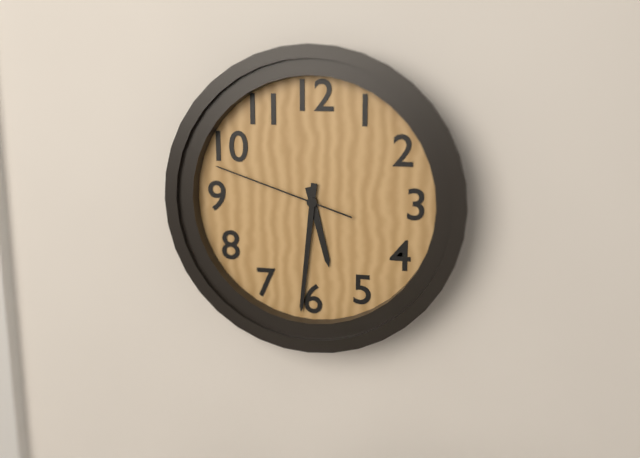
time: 5:31:48
